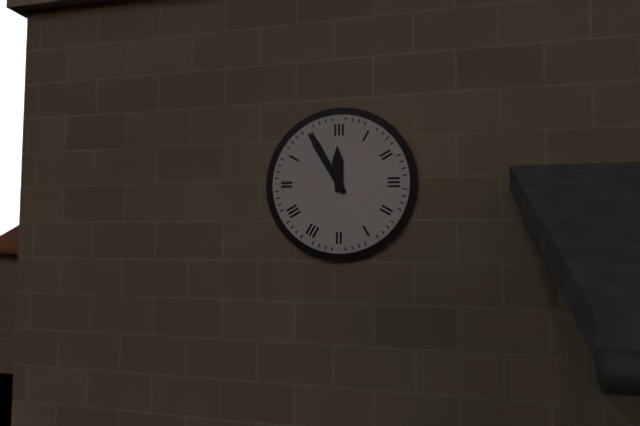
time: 11:55
